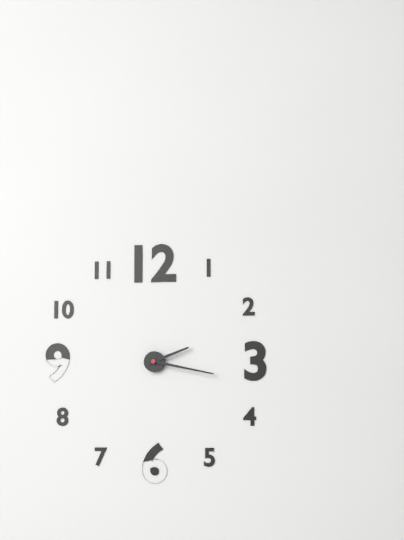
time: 2:17
